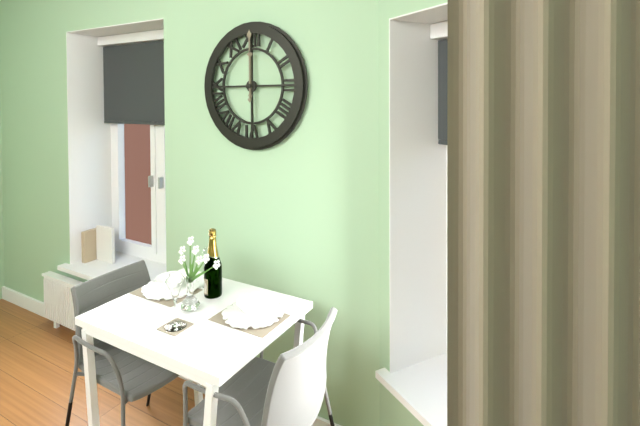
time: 12:00
